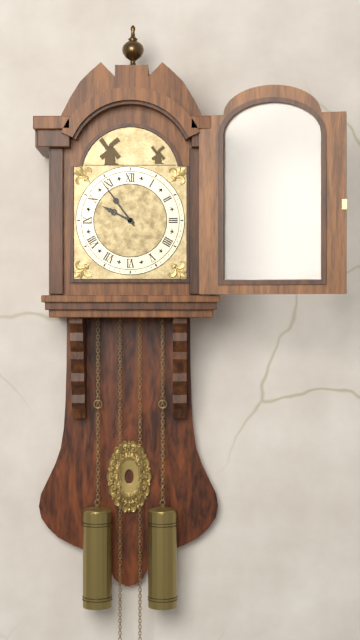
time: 9:54
